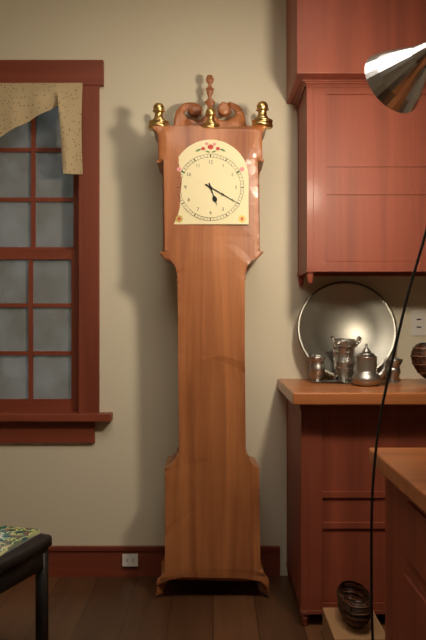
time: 5:20
